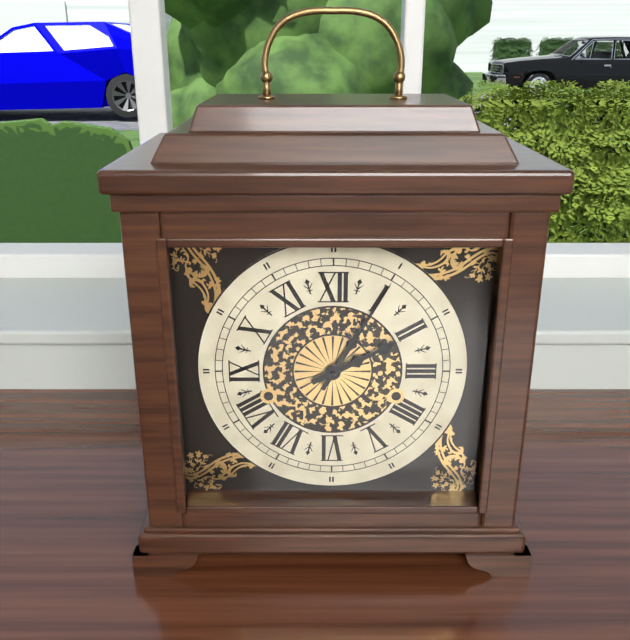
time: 2:05
